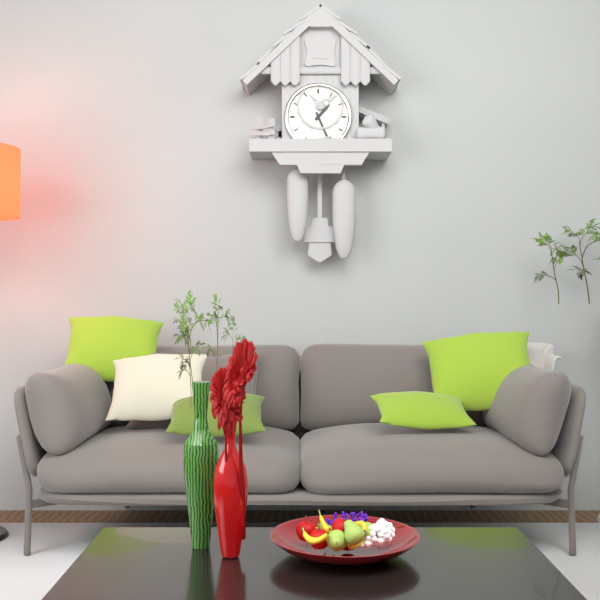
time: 1:26
